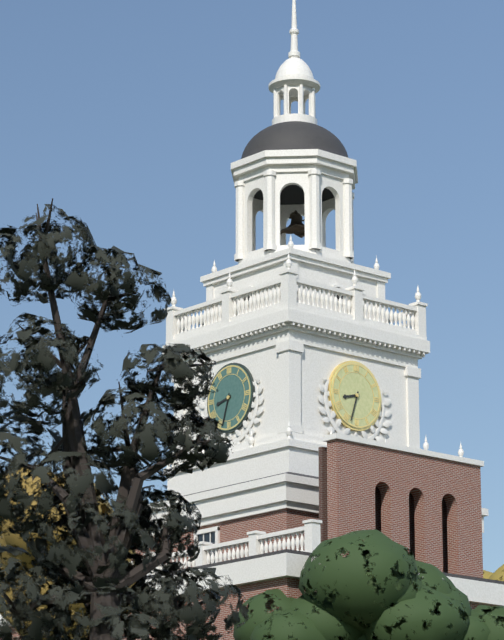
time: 8:33
